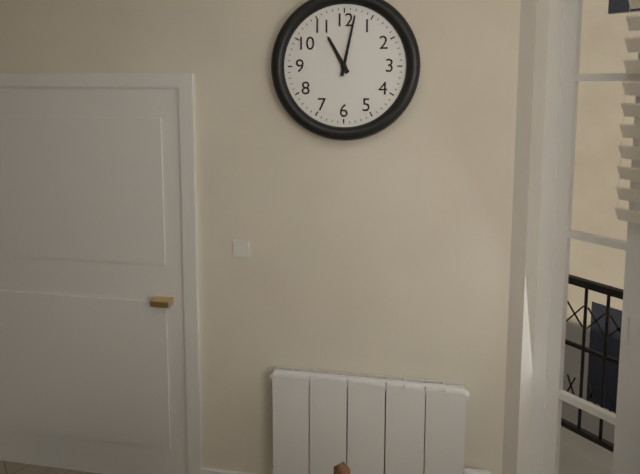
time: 11:02
